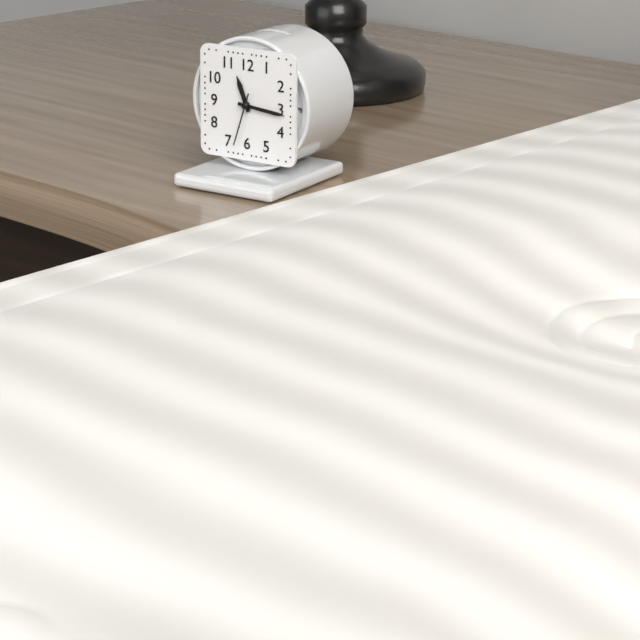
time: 11:16:33
